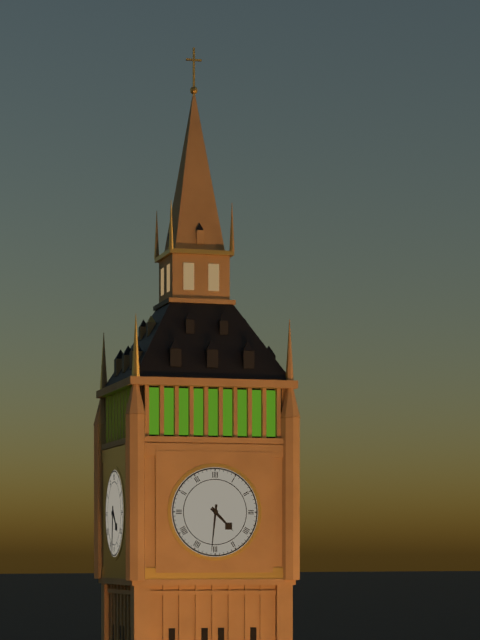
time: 4:31
